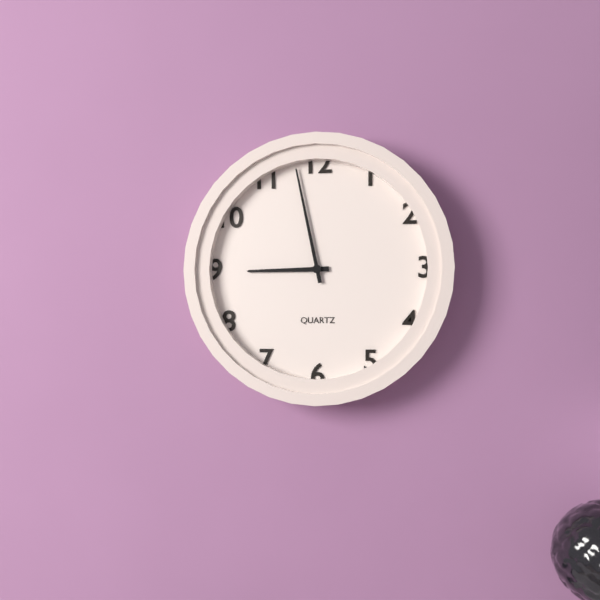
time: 8:58
